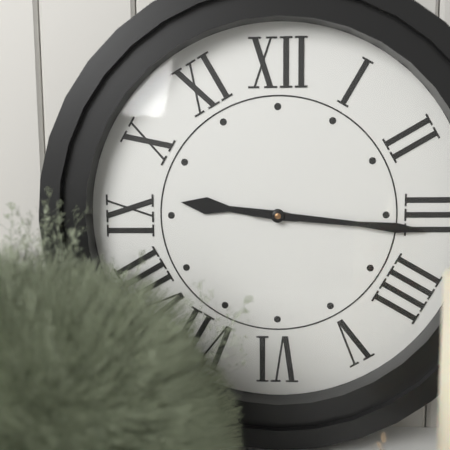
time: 9:16
